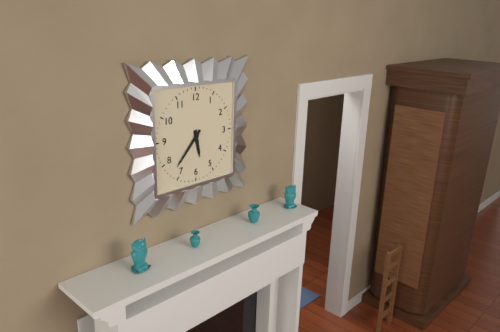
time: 5:37
